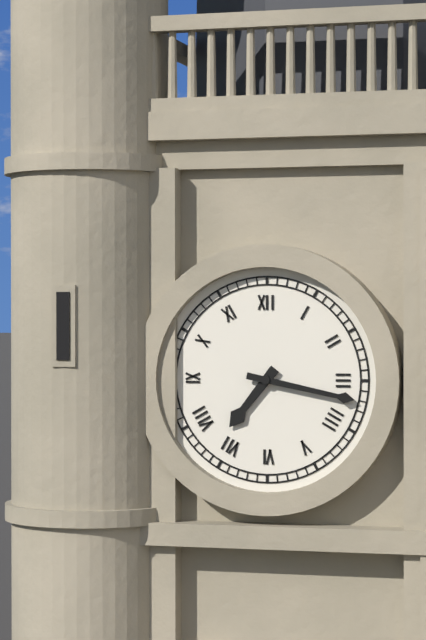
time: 7:17
